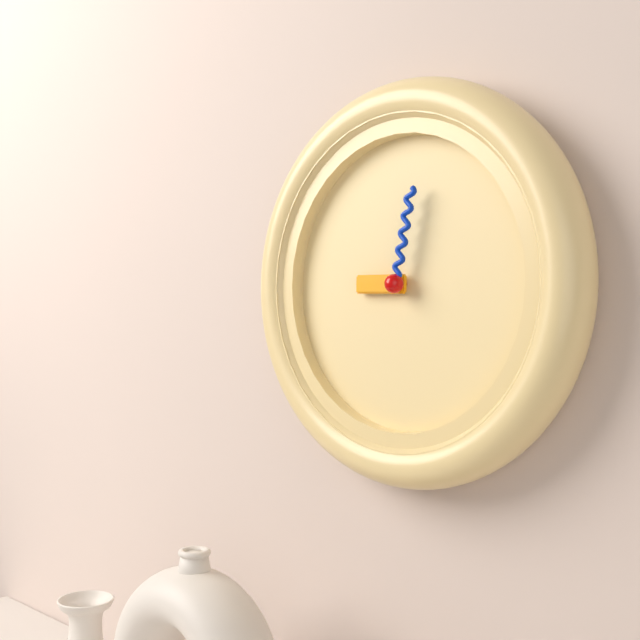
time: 9:02
